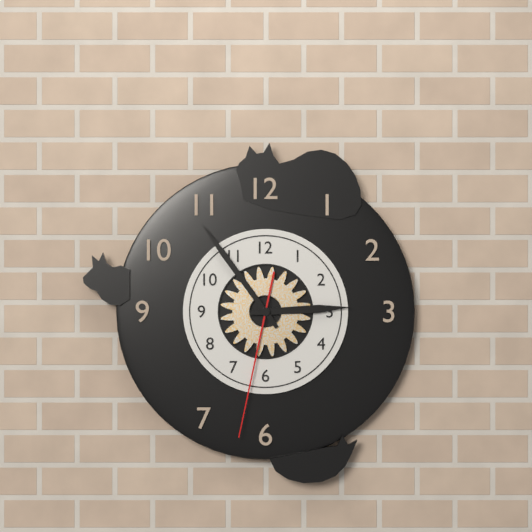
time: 2:54:32
